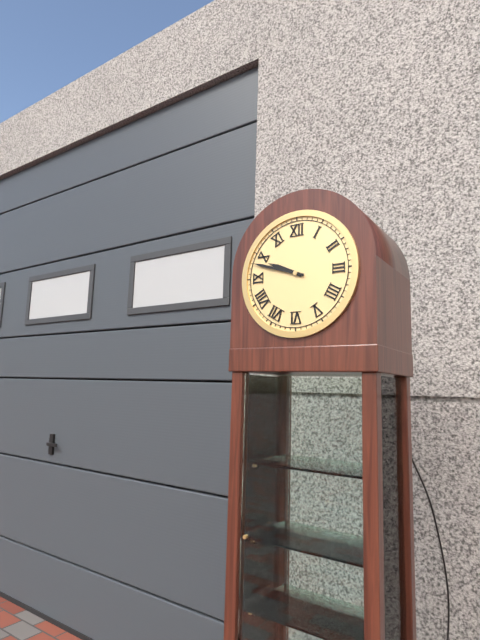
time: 9:48
